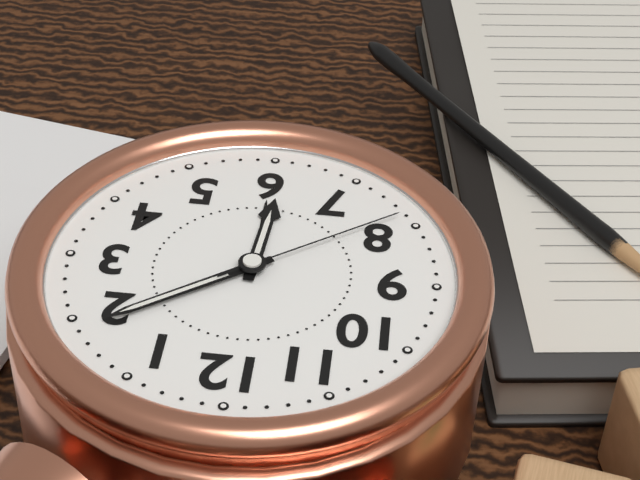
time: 6:09:39
